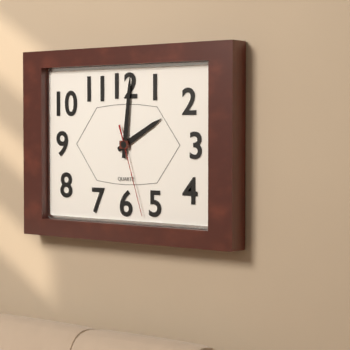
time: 2:01:27
